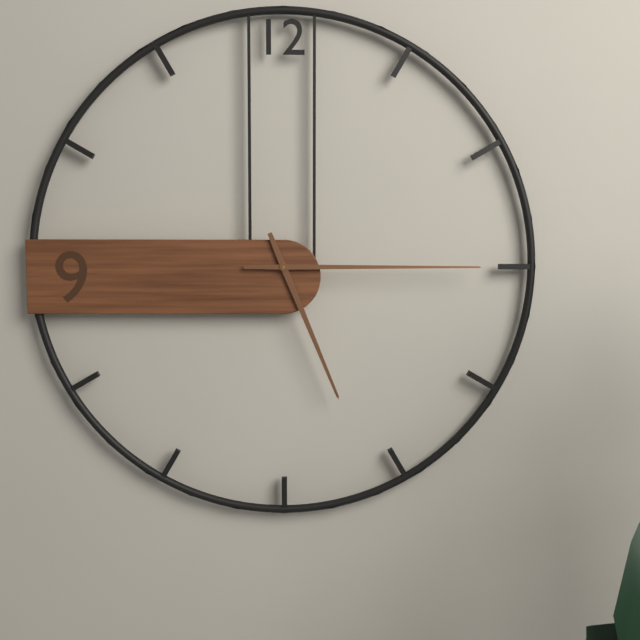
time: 5:15
